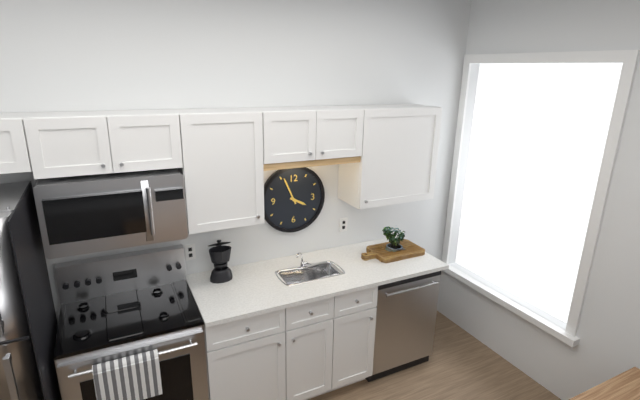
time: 3:56
